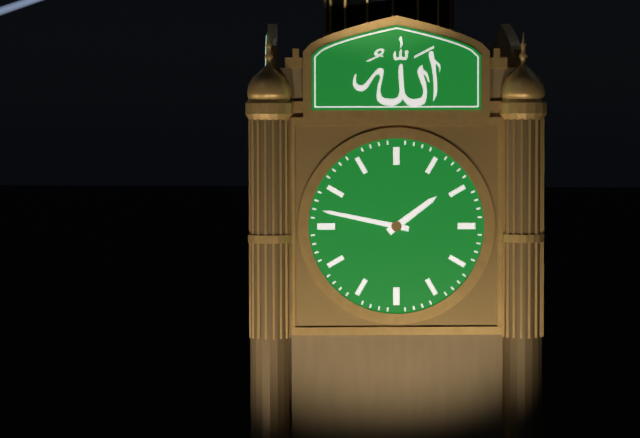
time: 1:47
